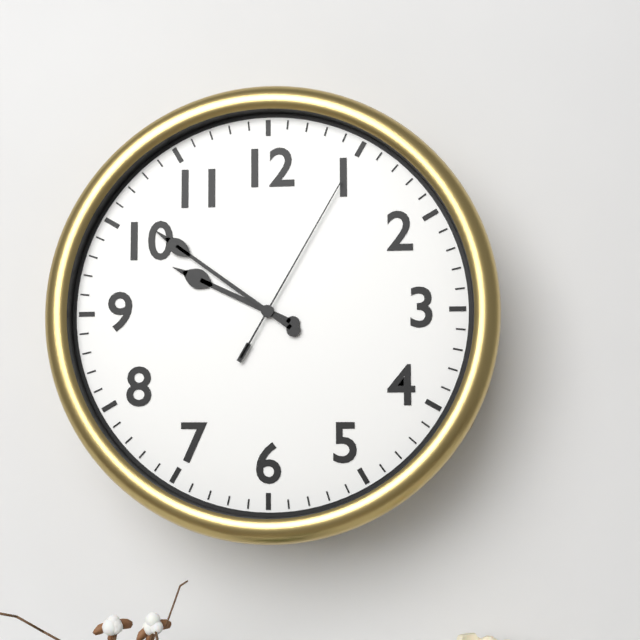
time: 9:51:05
